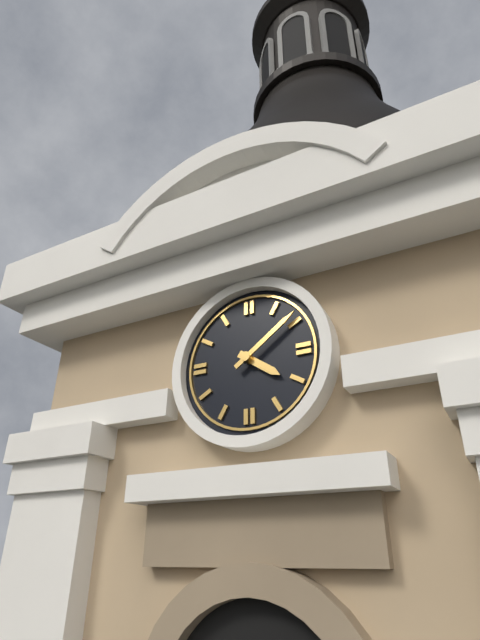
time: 4:09
